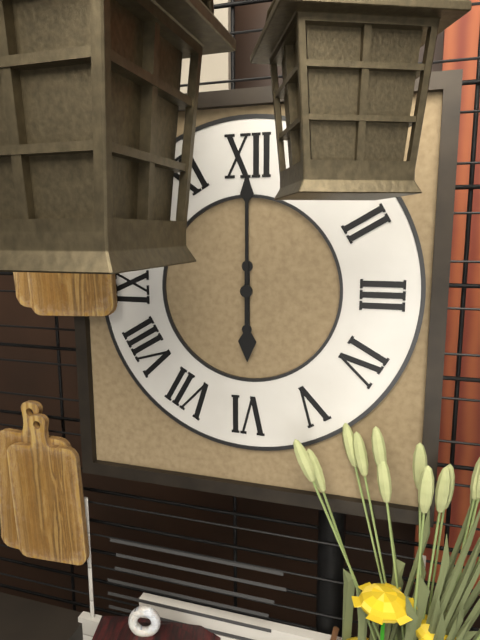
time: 6:00
